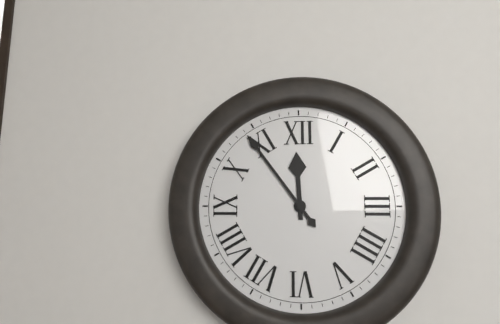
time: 11:54
